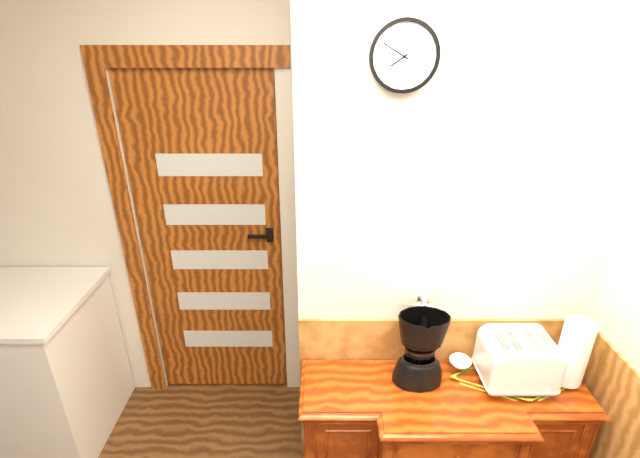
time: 7:50
